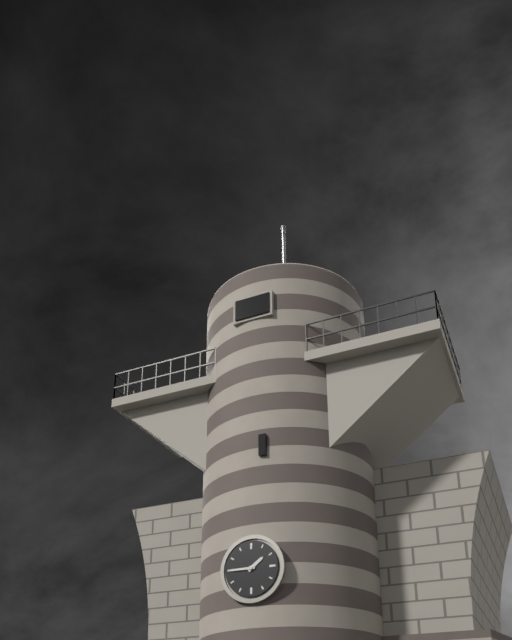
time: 1:45
